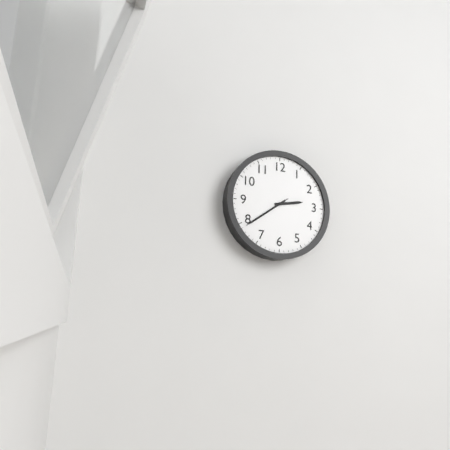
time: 2:39:39
